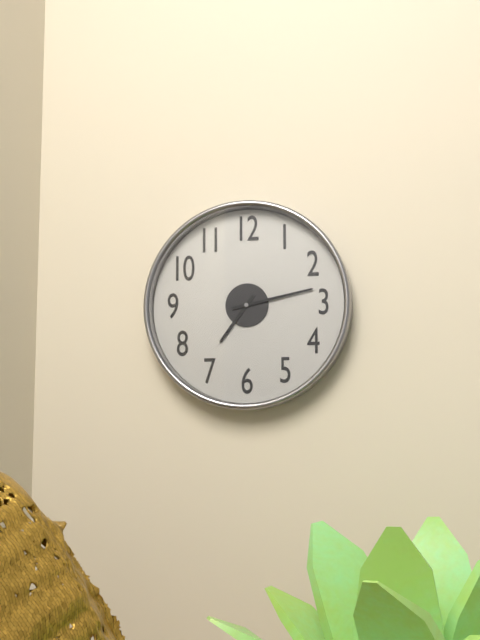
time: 7:13
